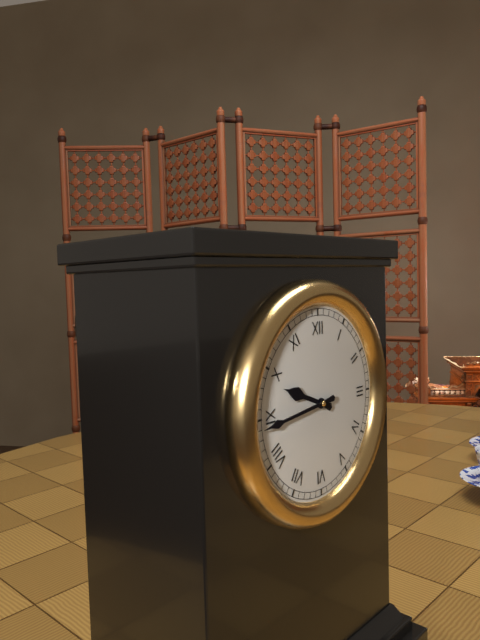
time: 9:44
